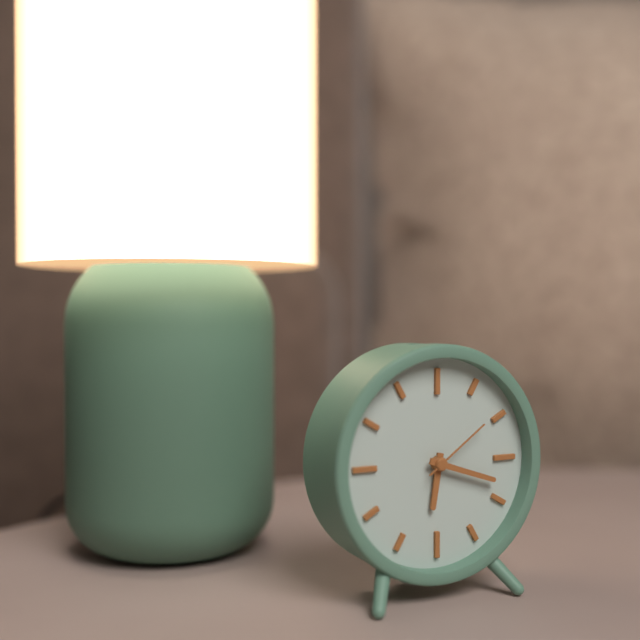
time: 6:18:09
